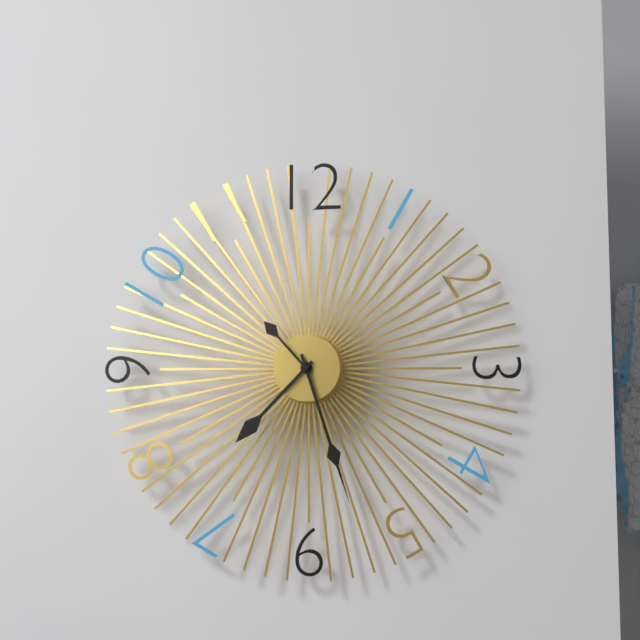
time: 7:27:53
